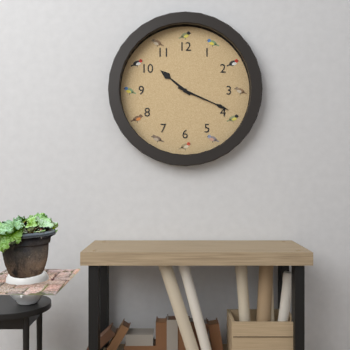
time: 10:19
